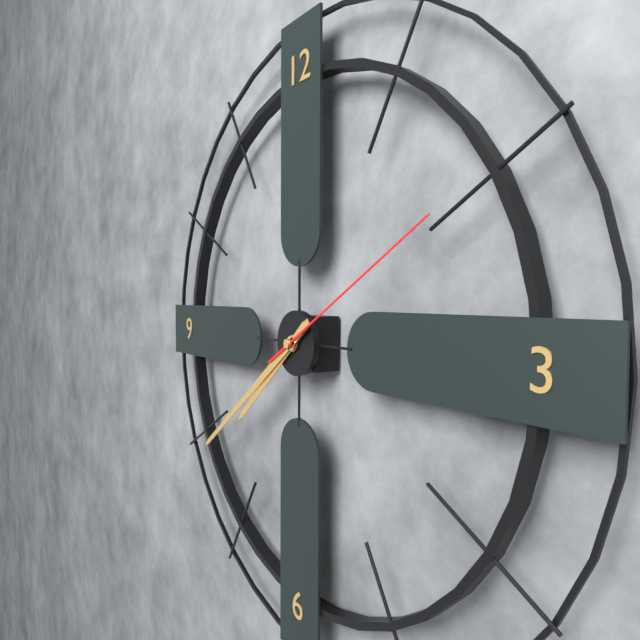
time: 7:39:10
